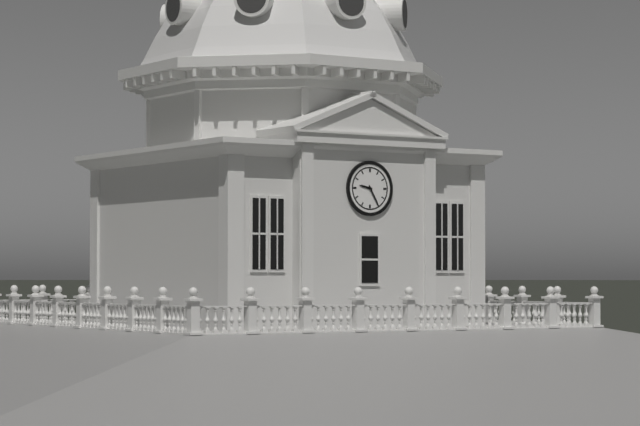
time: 9:25
